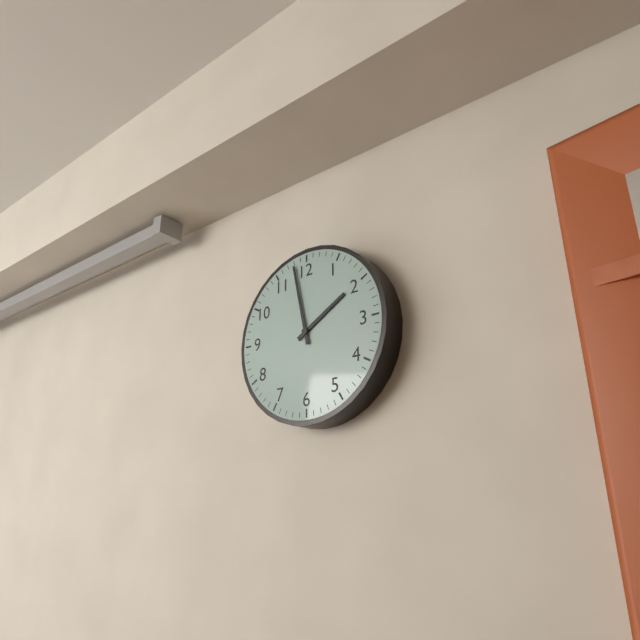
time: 1:58
